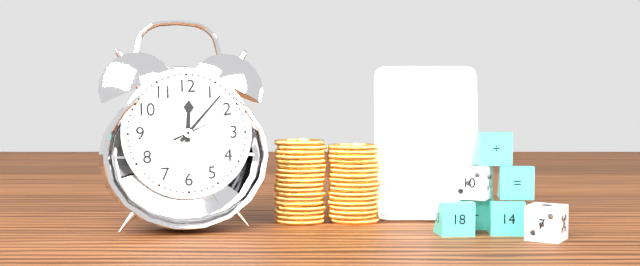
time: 12:07:11
